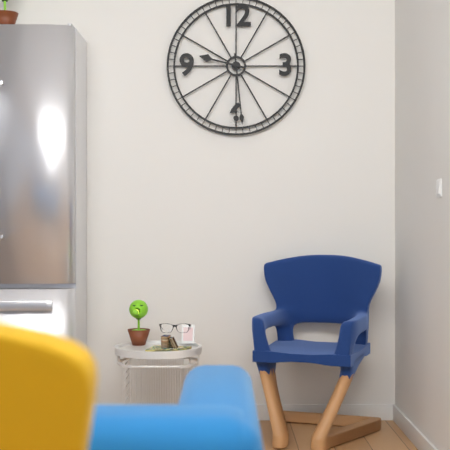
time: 9:29
